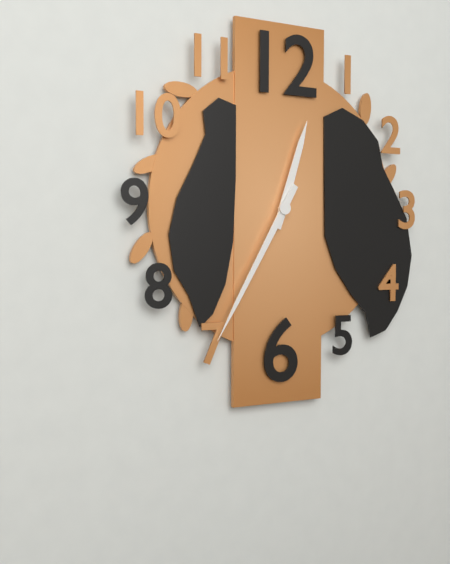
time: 12:35
